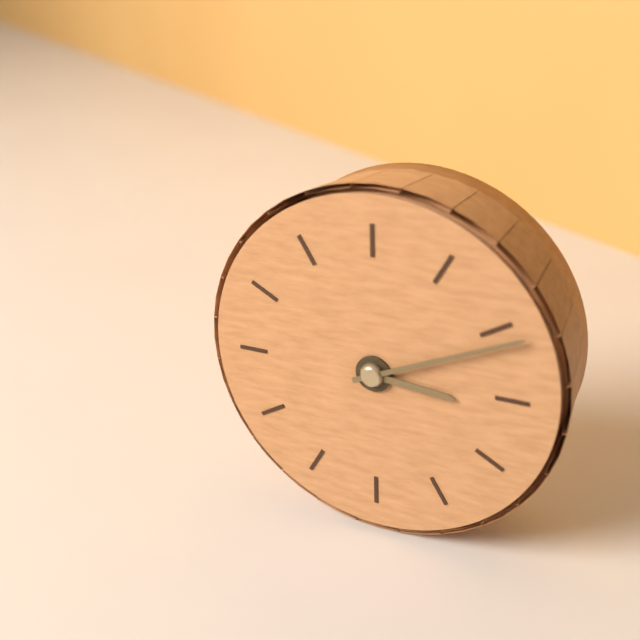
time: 3:11
